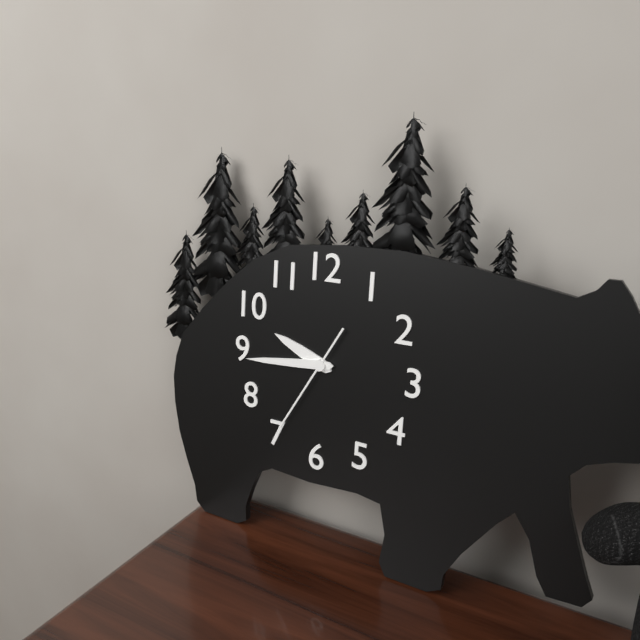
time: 9:44:35
